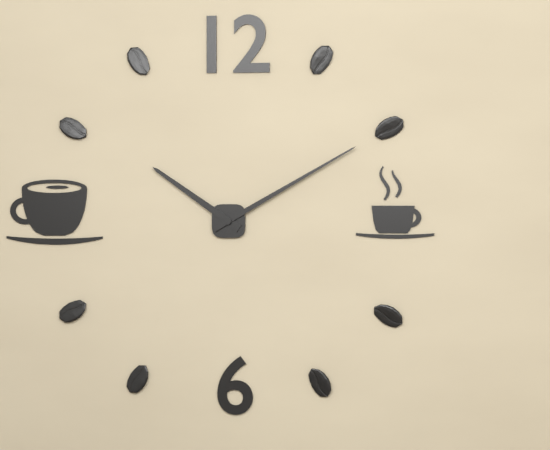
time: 10:10
